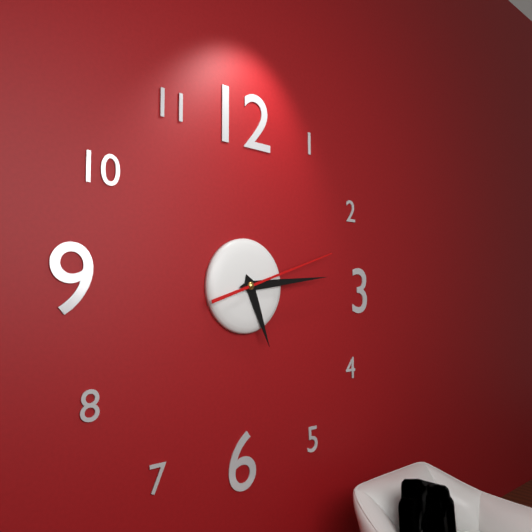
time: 5:14:12
